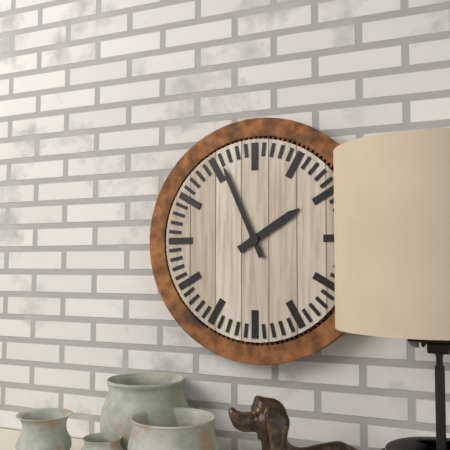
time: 1:56
